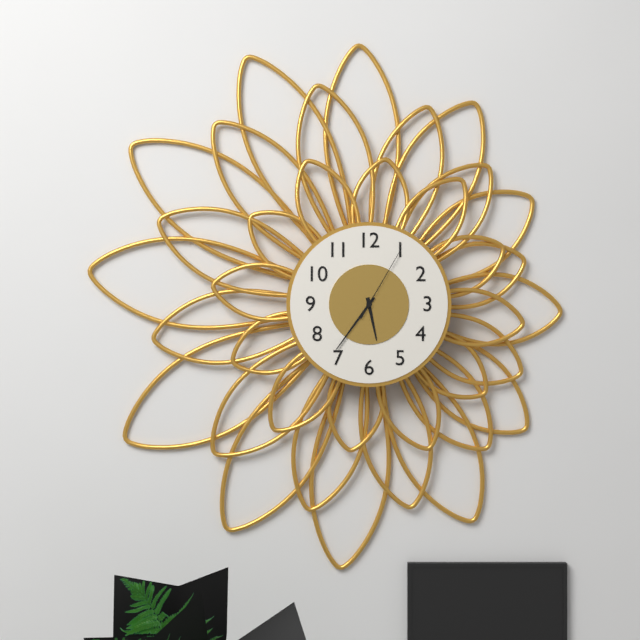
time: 5:36:05
